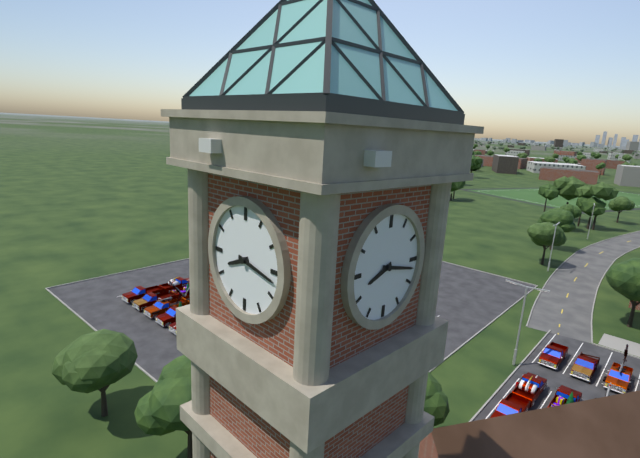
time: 8:17
